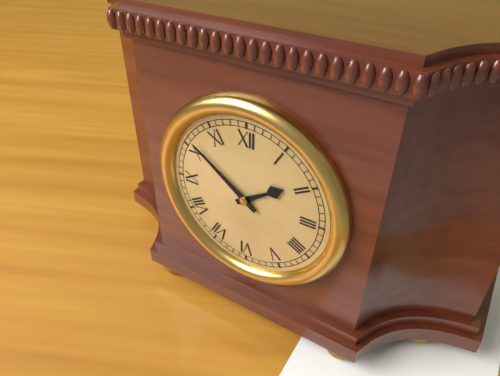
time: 1:51
